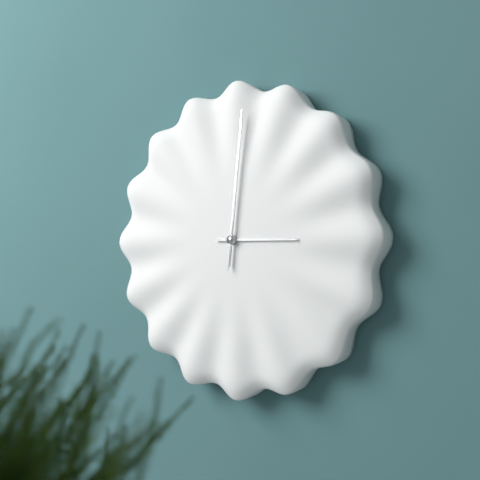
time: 3:01:01
